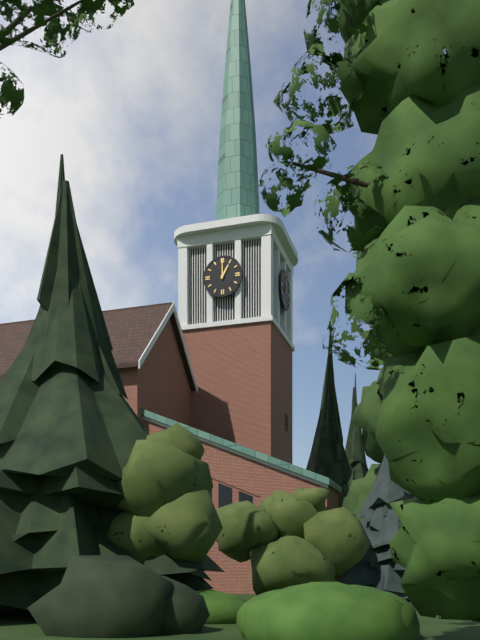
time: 1:00
